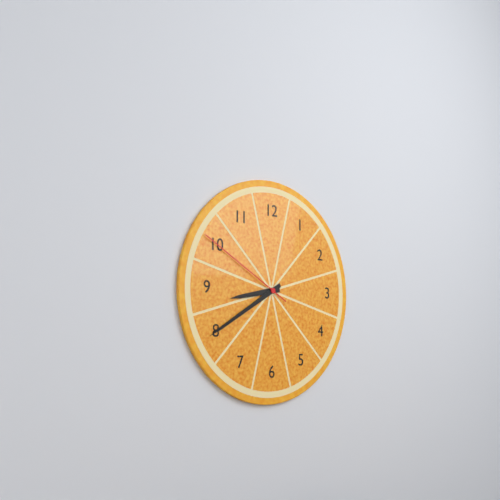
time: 8:40:50
